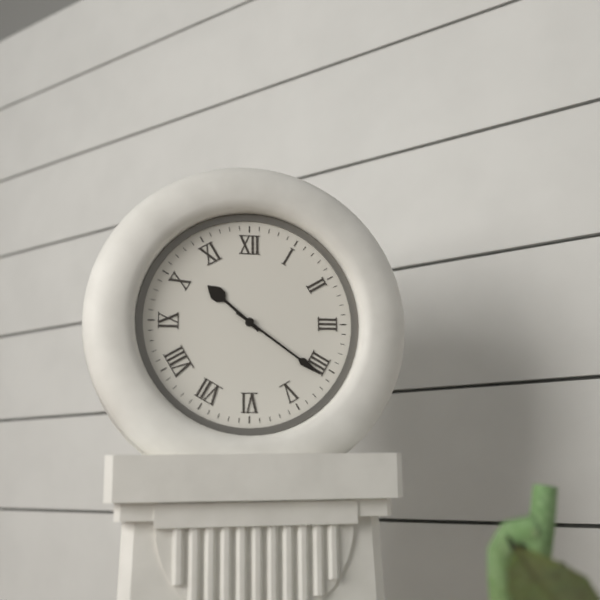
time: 10:21
